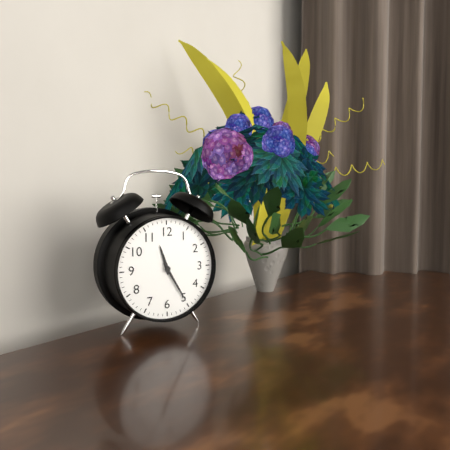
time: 11:25
